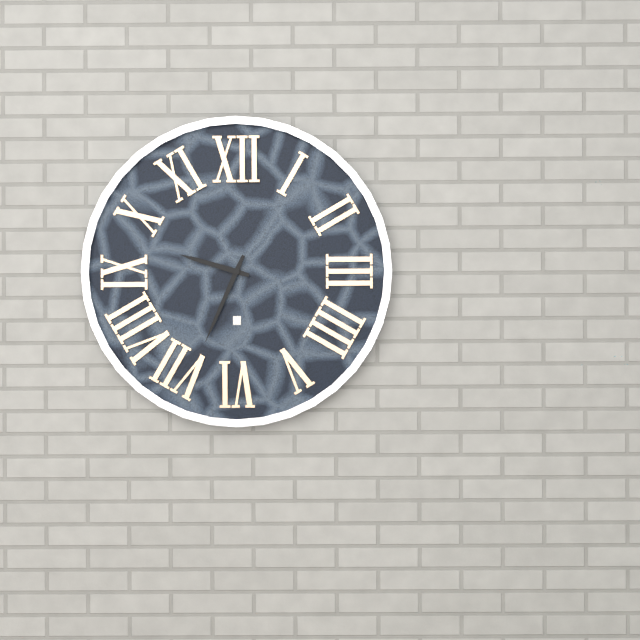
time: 9:34
